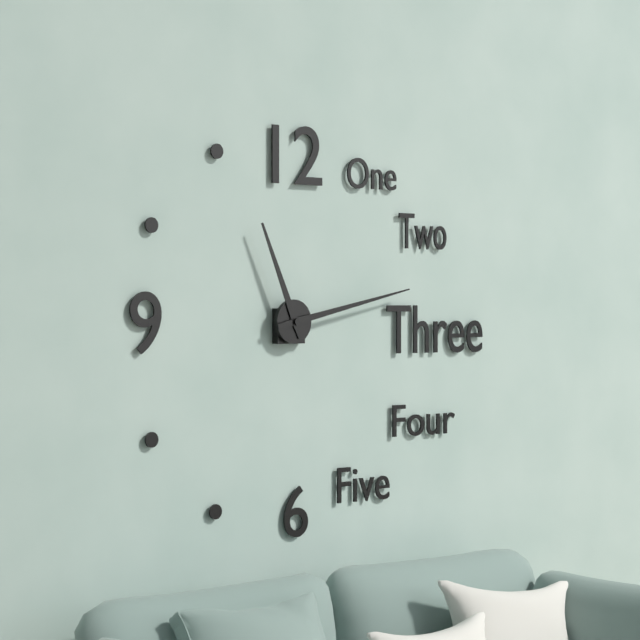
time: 11:13
